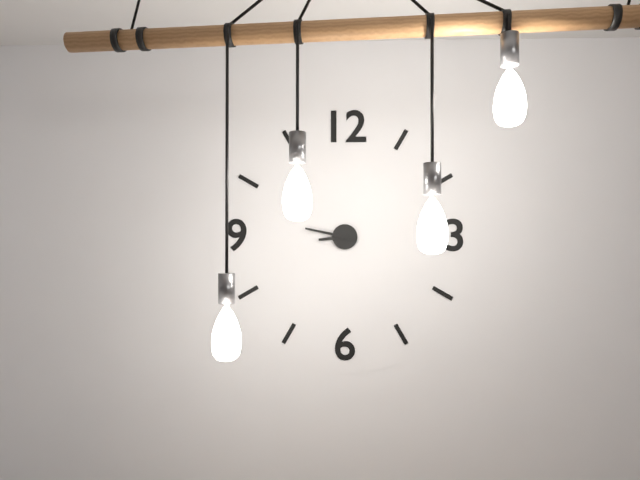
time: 8:47
